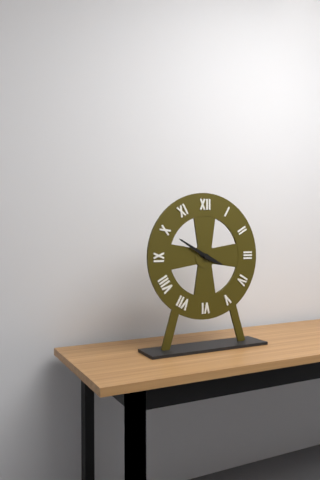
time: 3:50
